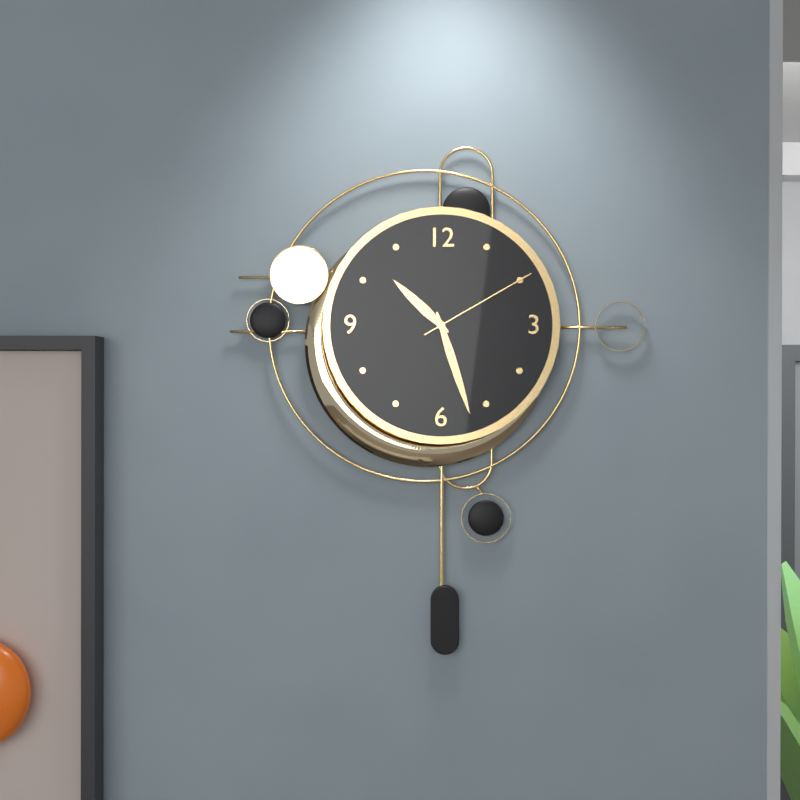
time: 10:27:10
